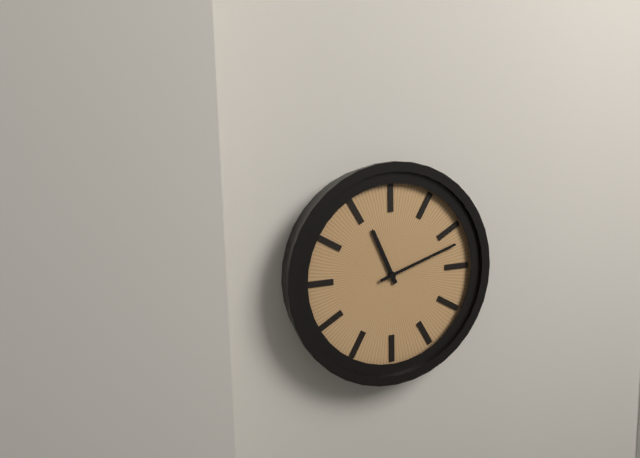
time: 11:12
